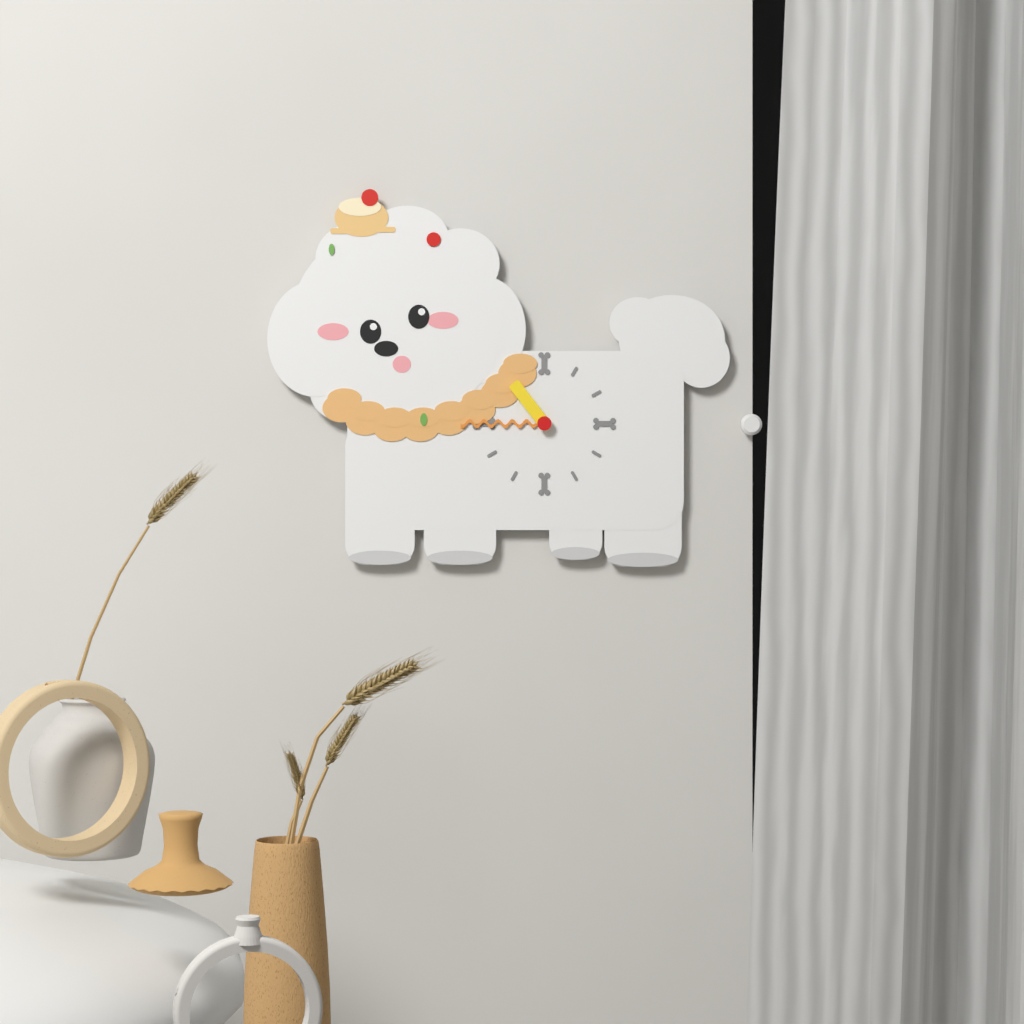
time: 10:45
